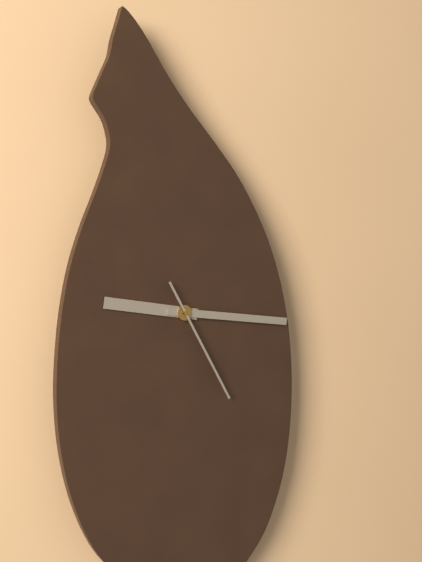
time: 9:16:25
